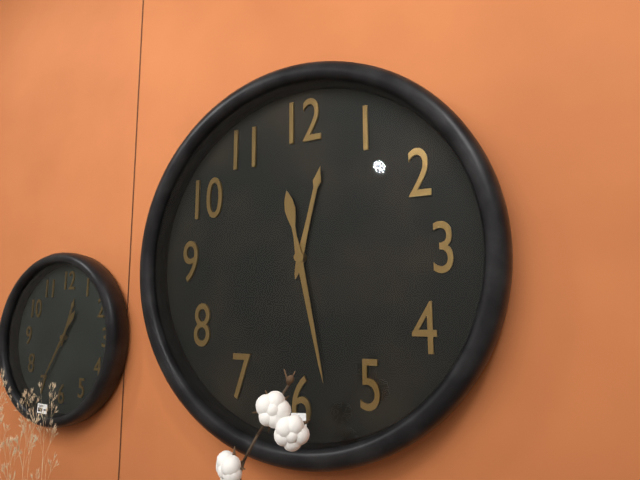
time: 12:28
